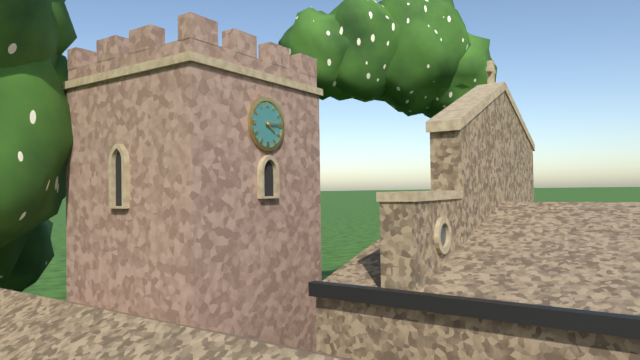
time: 4:14
